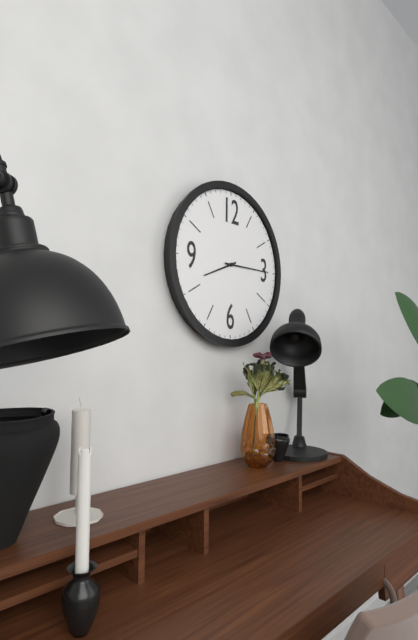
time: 8:15
